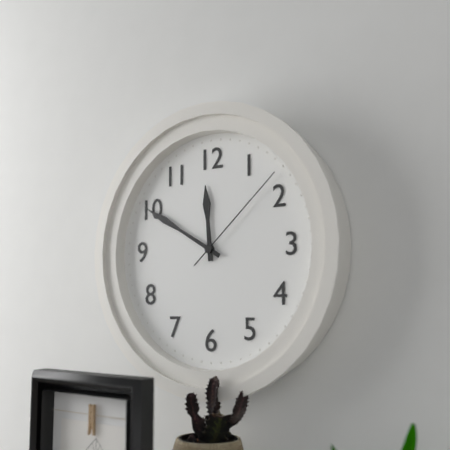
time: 11:50:08
